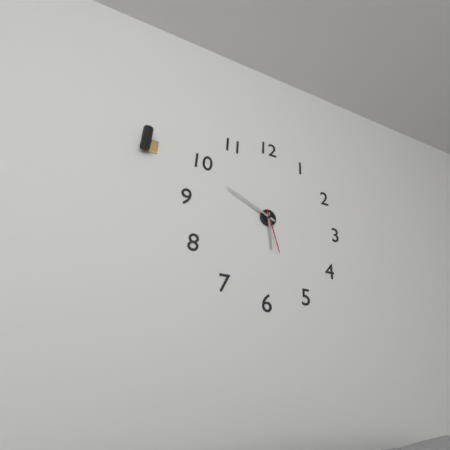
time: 5:49
